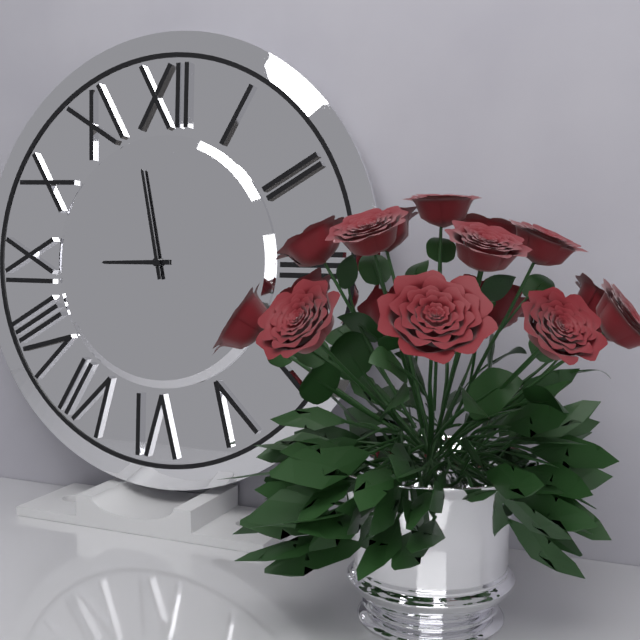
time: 8:58
